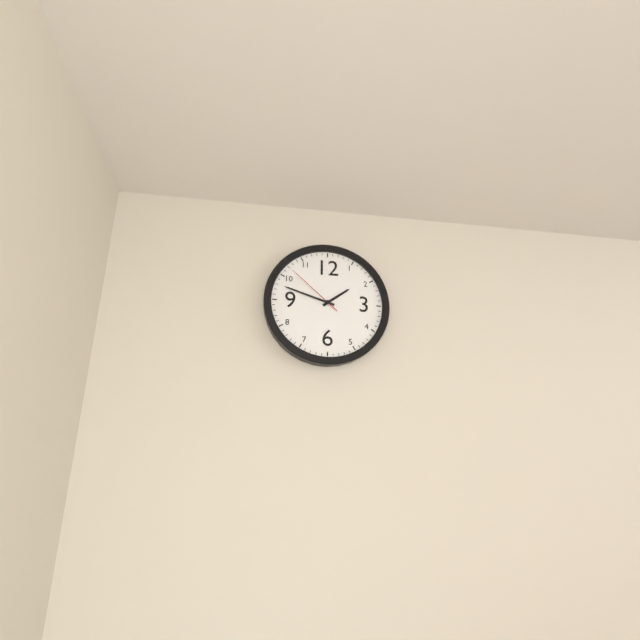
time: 1:48:52
